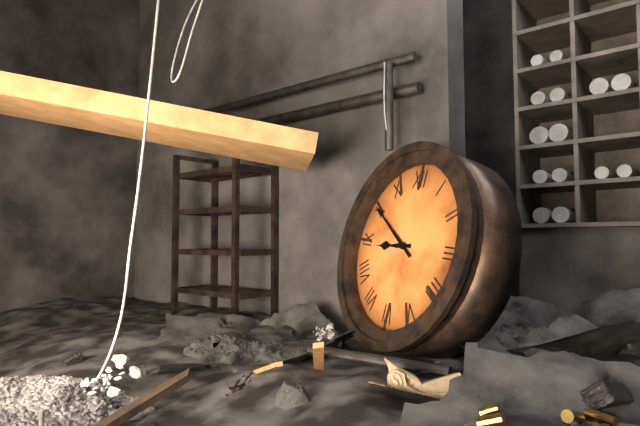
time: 8:50
